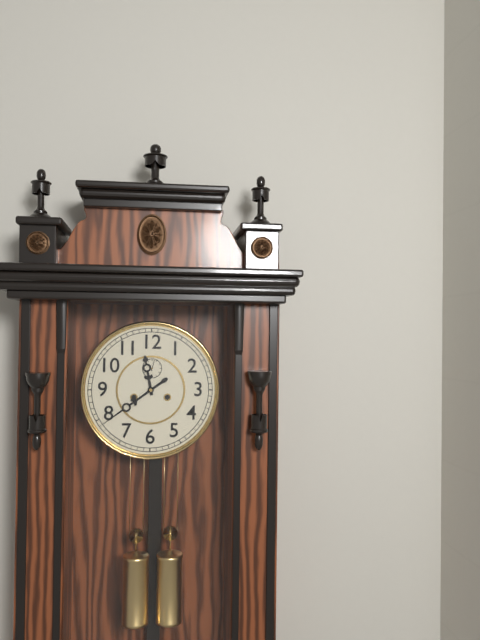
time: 11:39
